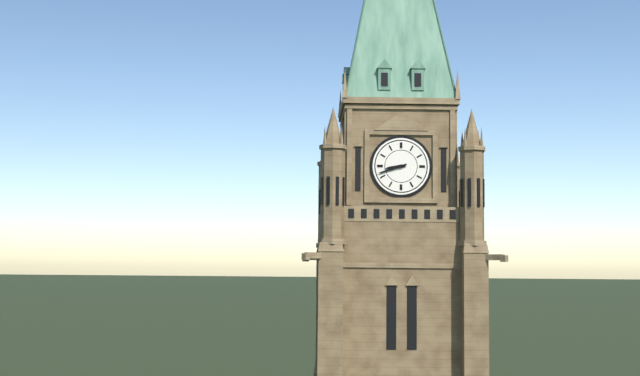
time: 8:42
